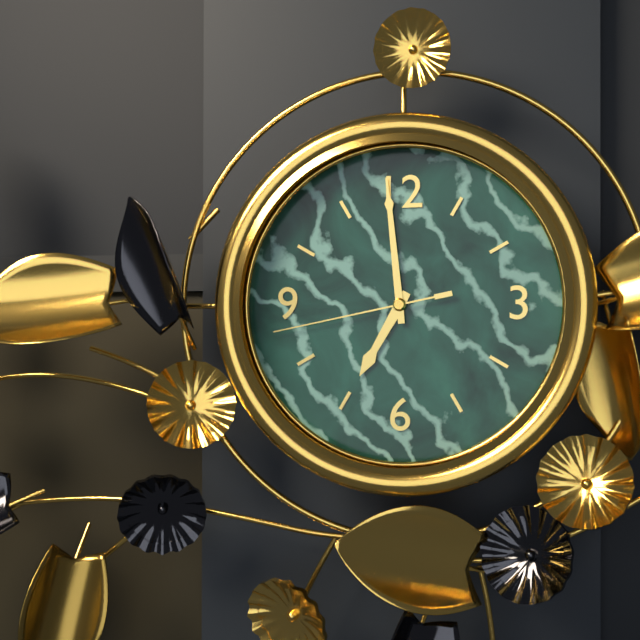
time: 6:59:43
